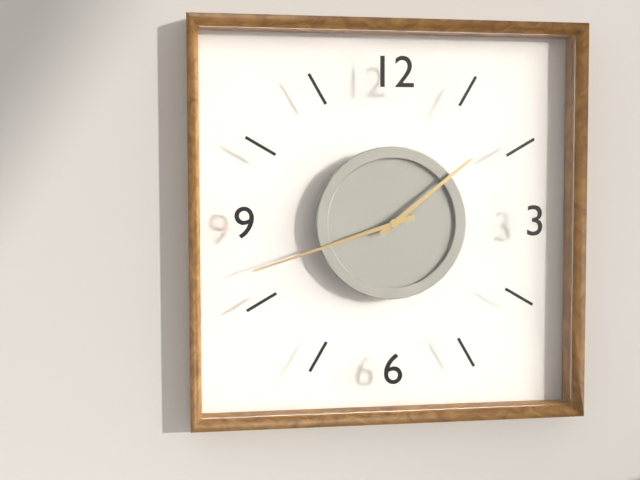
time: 1:42
